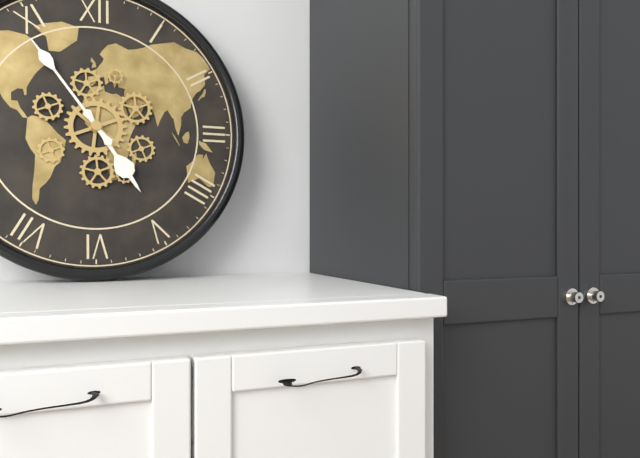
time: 4:54
